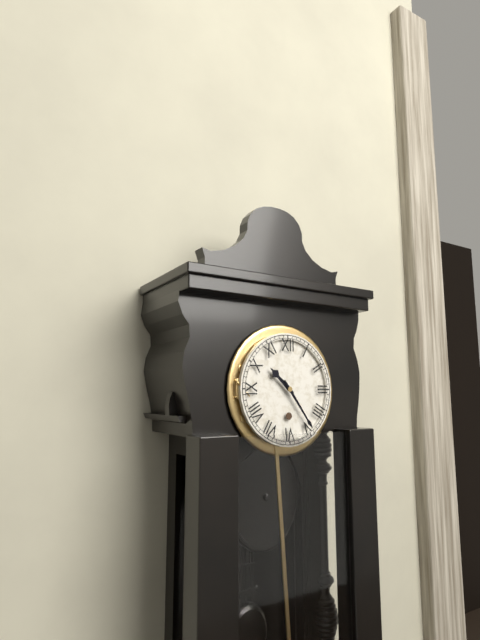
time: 10:24
